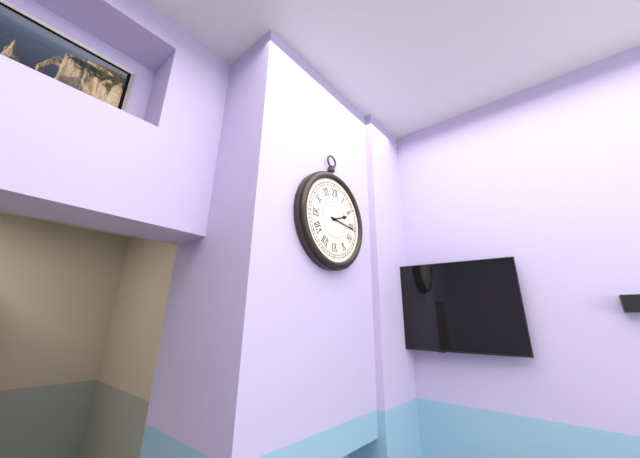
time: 2:16
